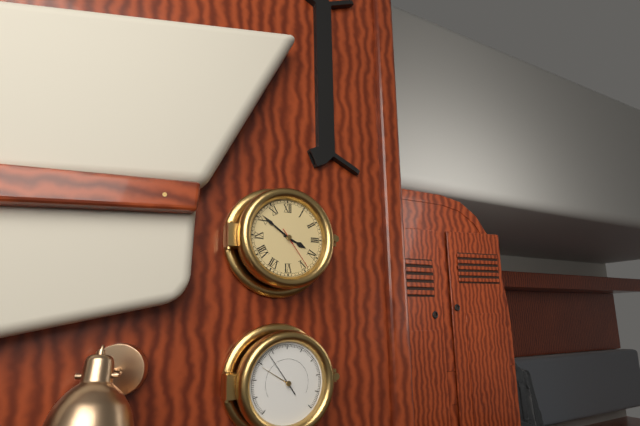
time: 3:51:24
